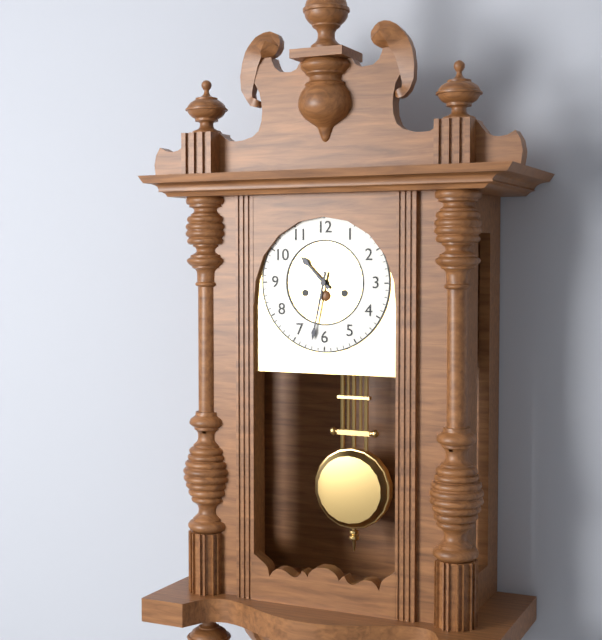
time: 10:32
